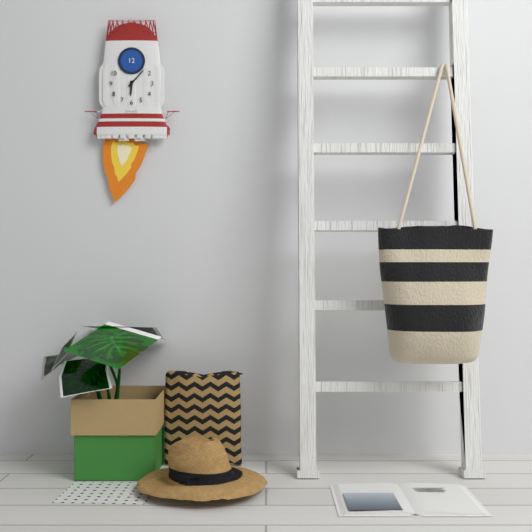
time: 6:07
